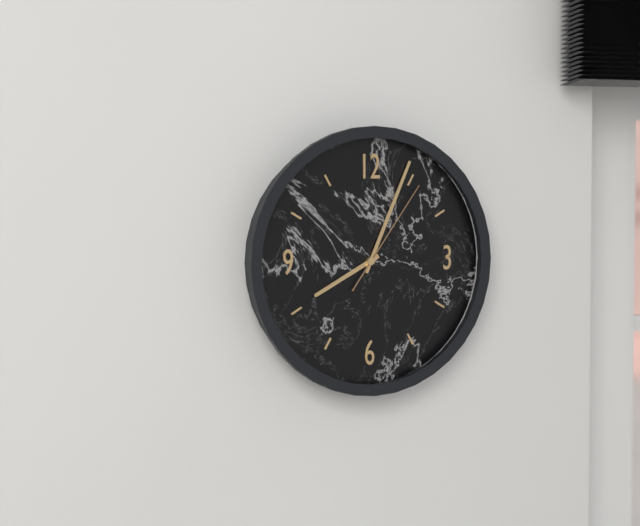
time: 8:04:06
